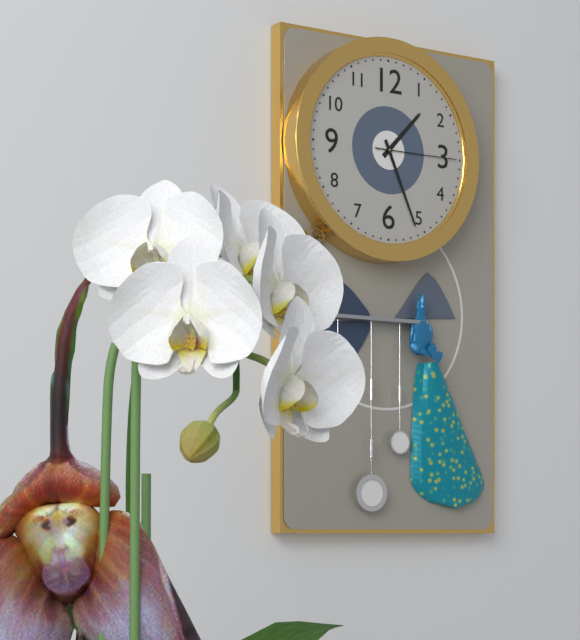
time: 1:26:15
